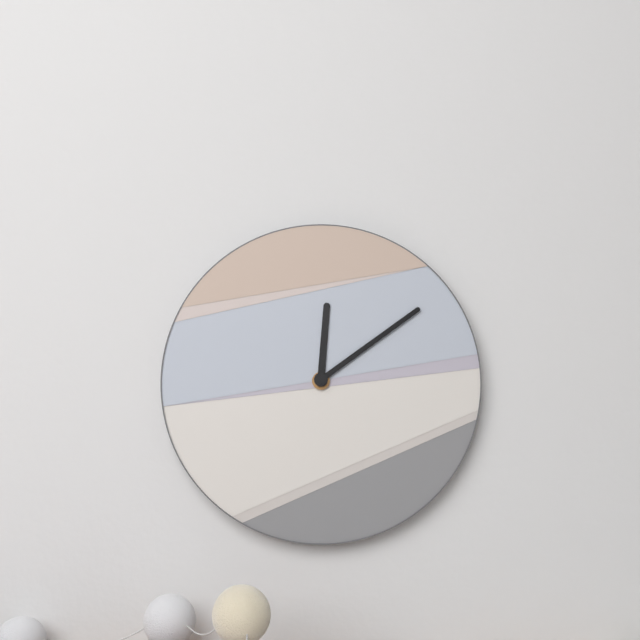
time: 12:09
